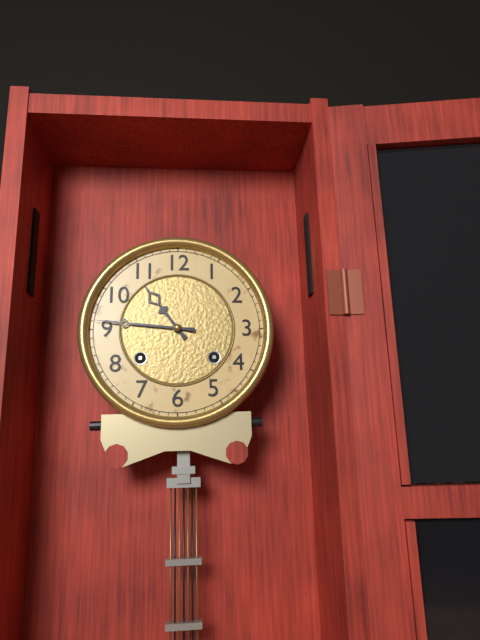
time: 10:46
